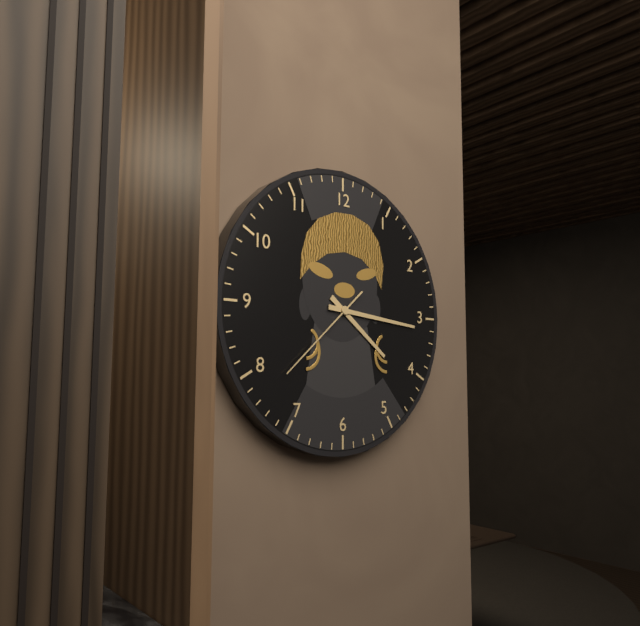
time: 4:16:38
